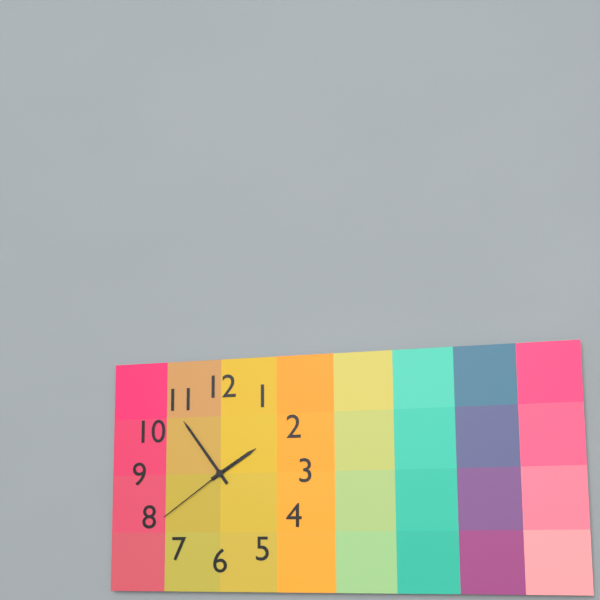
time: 1:54:39
